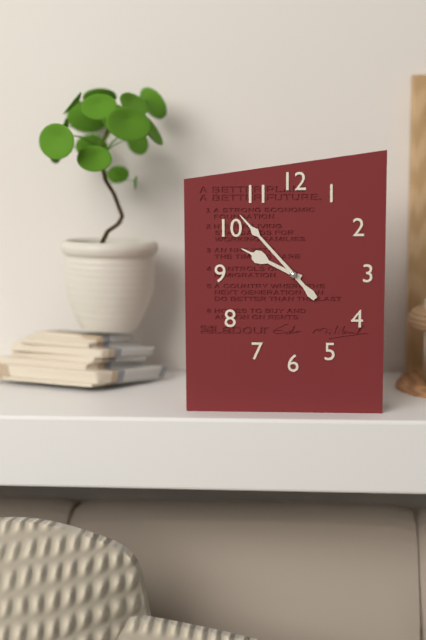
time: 9:53
